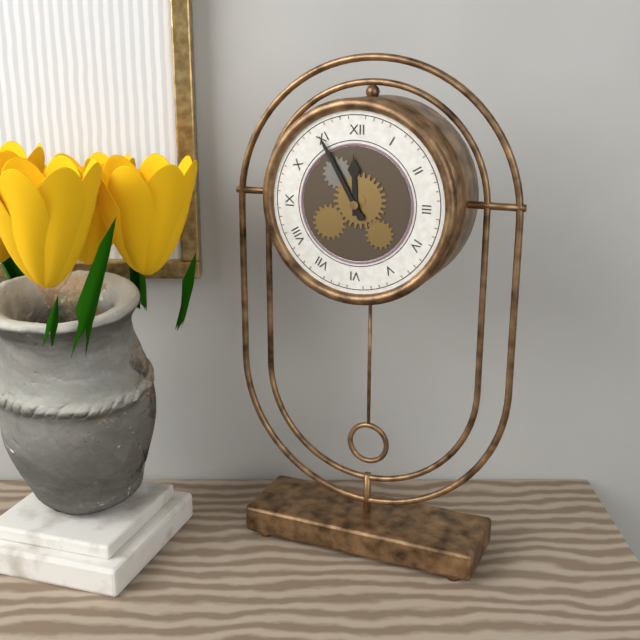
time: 11:55
